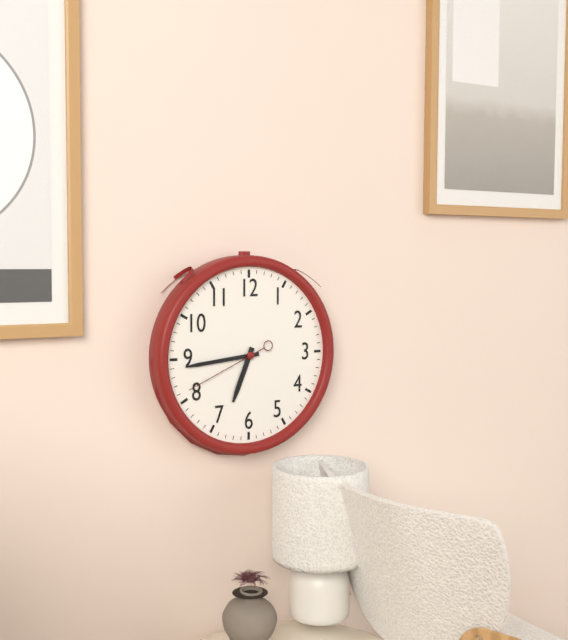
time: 6:44:41
